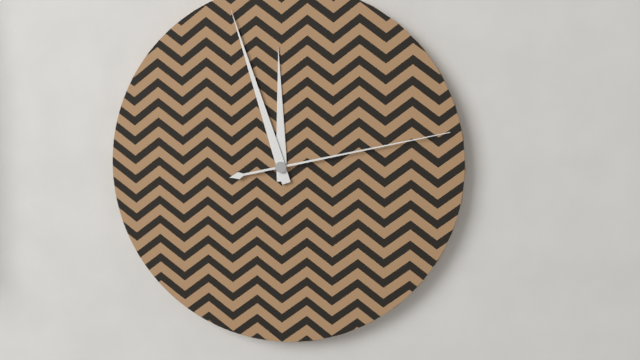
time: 11:57:13
